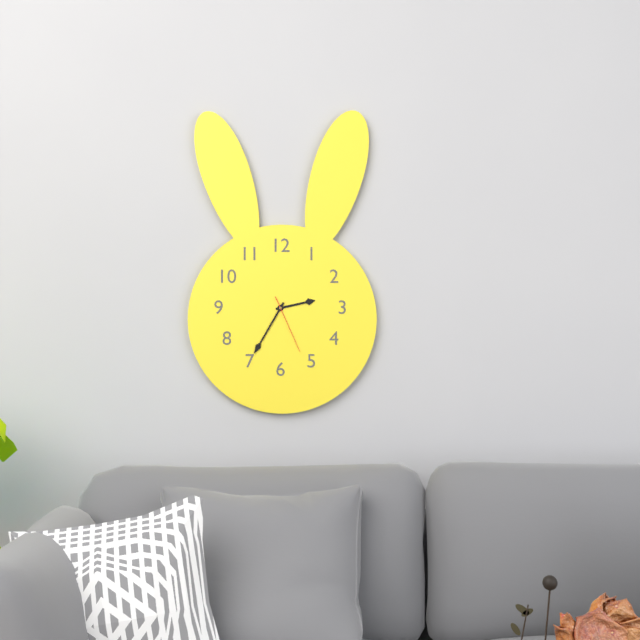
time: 2:35:26
